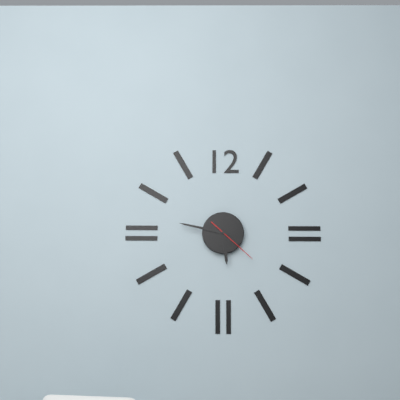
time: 5:47:22
